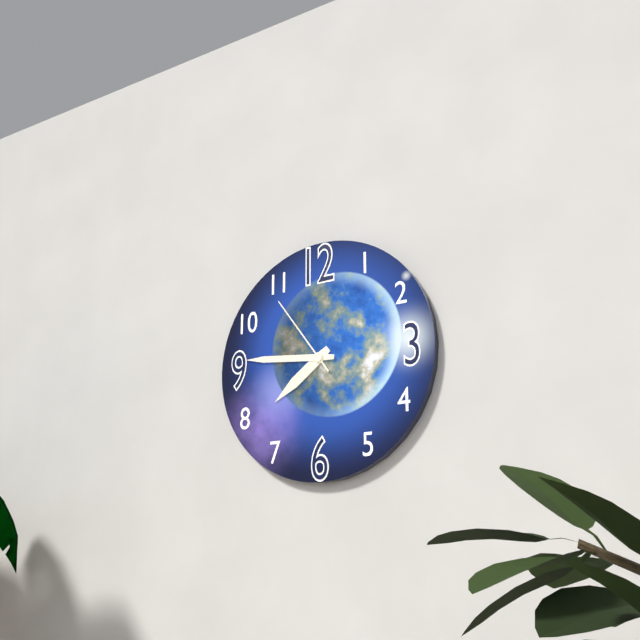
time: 7:46:54
